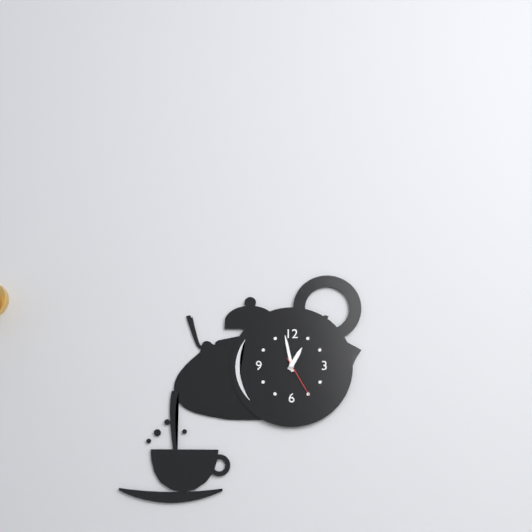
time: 12:58
